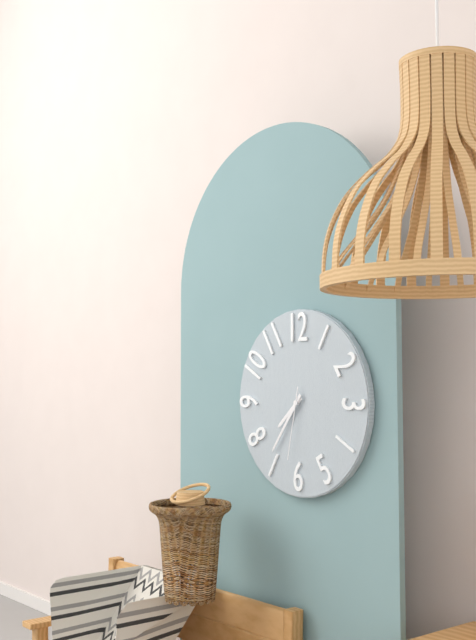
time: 7:36:32
